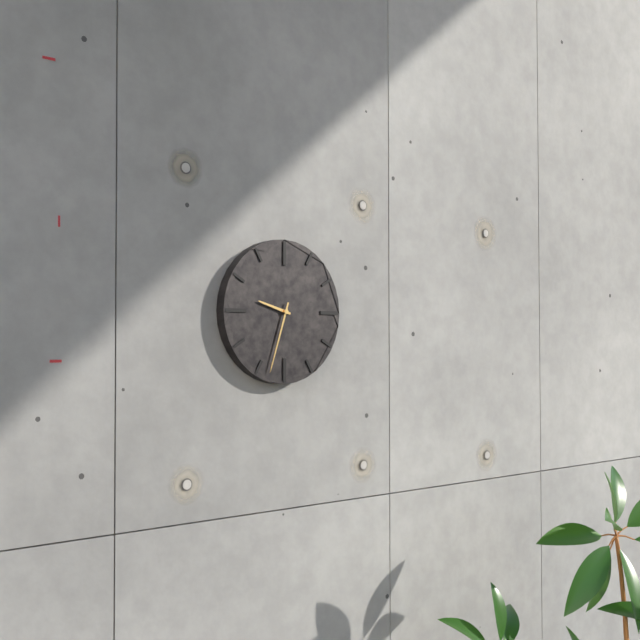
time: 9:33
